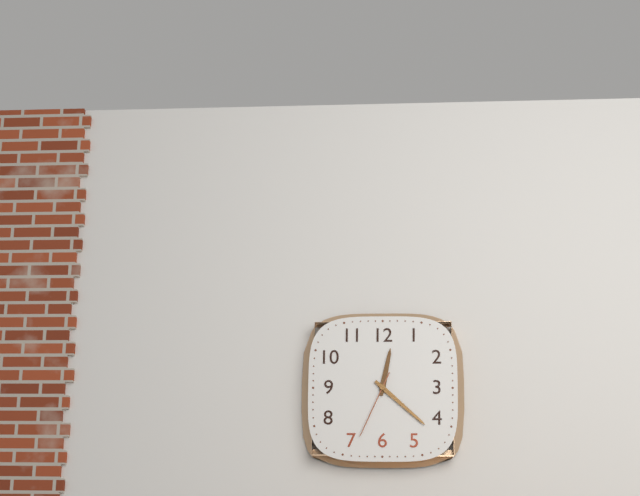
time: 12:22:34
